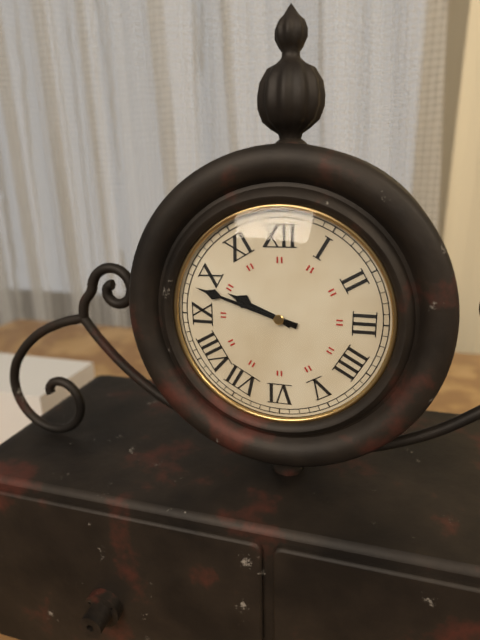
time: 9:48
